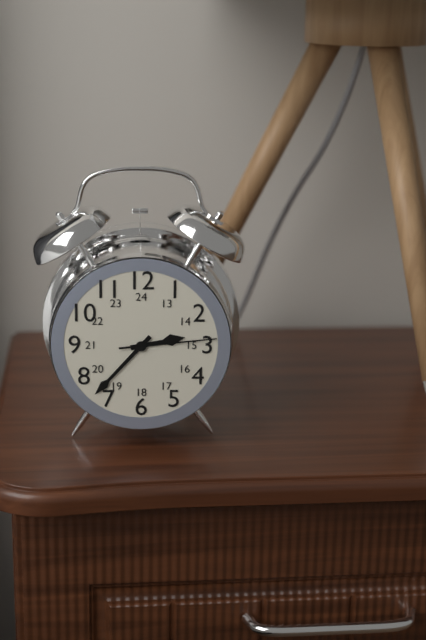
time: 2:37:14
